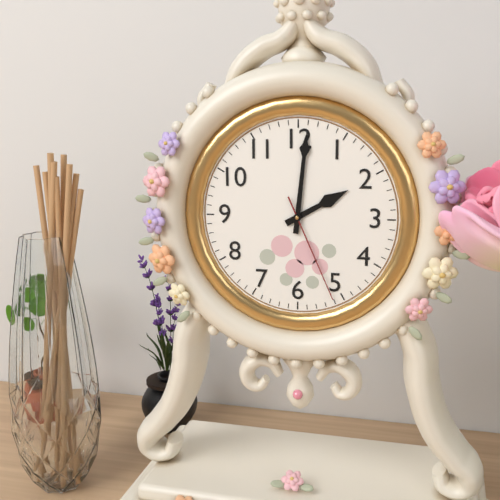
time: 2:01:26
